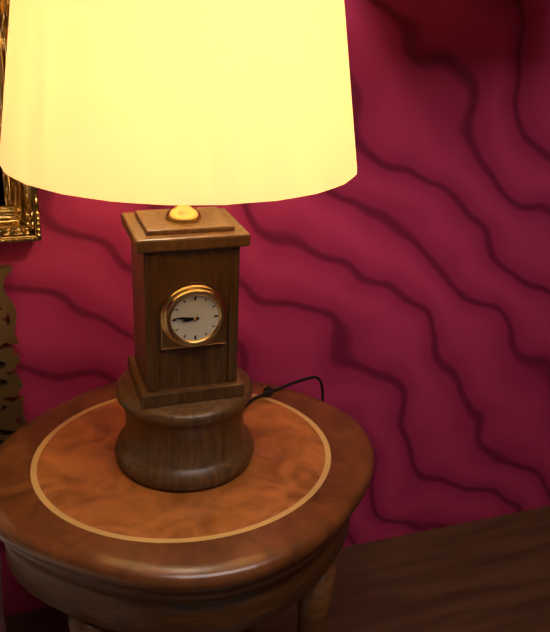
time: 8:46
